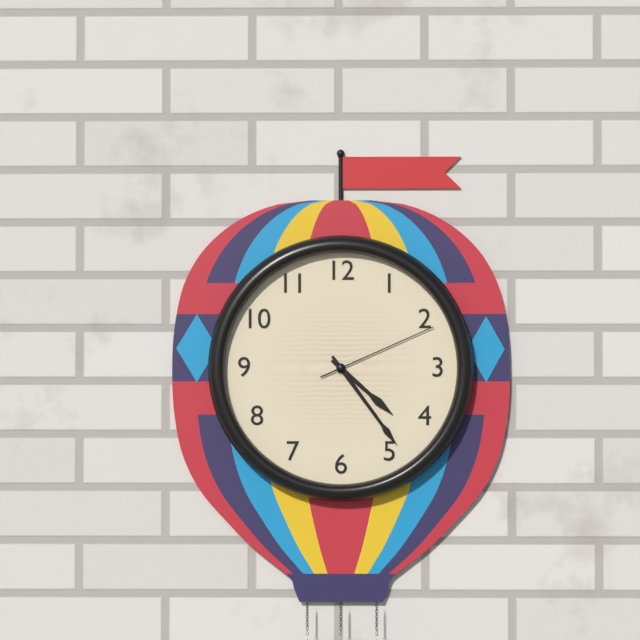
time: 4:24:11
